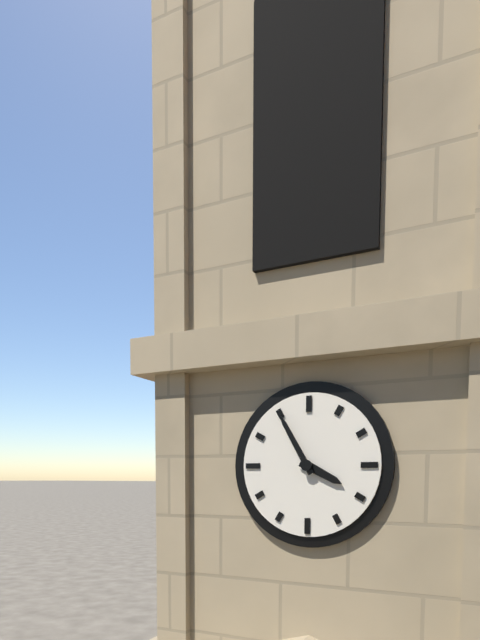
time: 3:55
